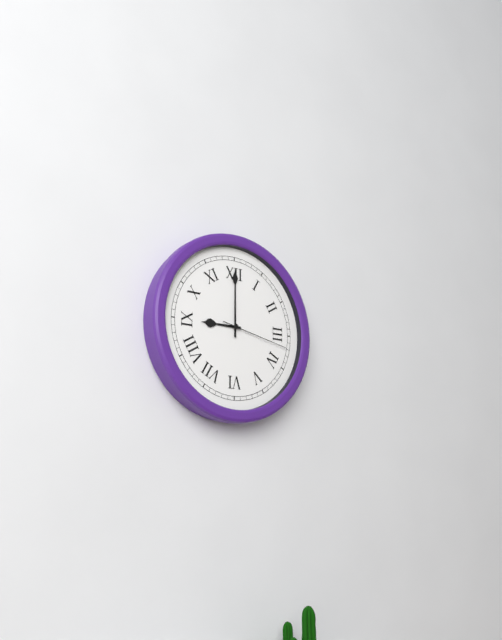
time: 9:00:17
